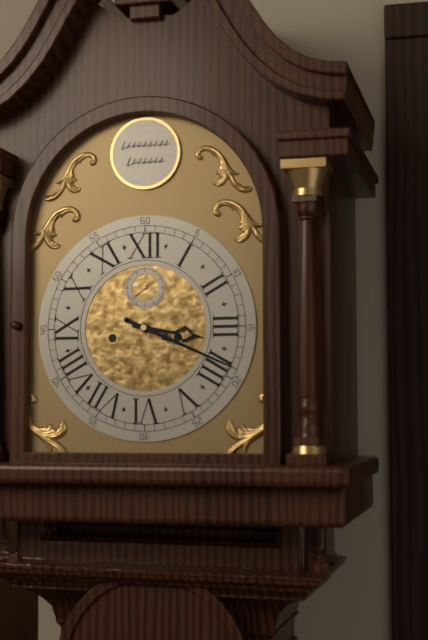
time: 3:19:38
